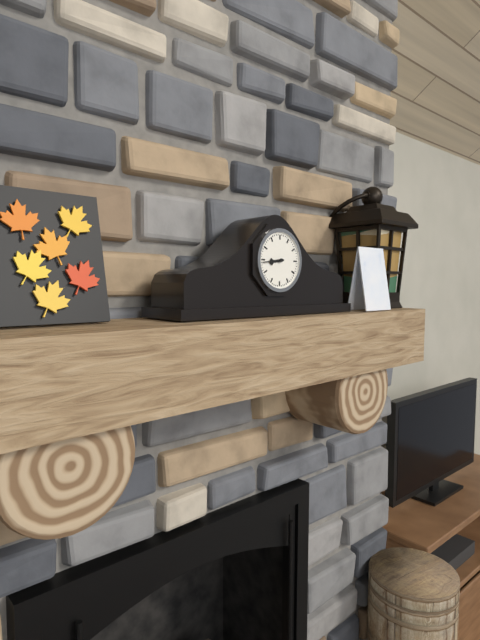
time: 8:44
